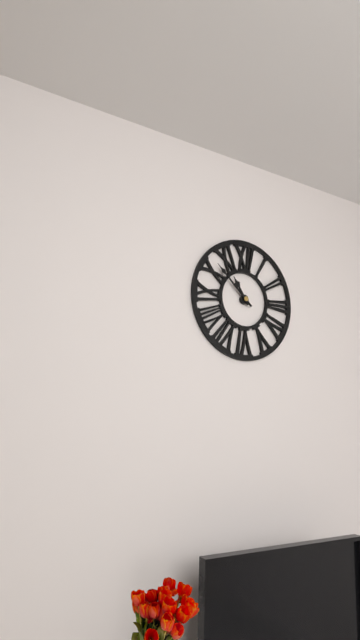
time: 10:52
